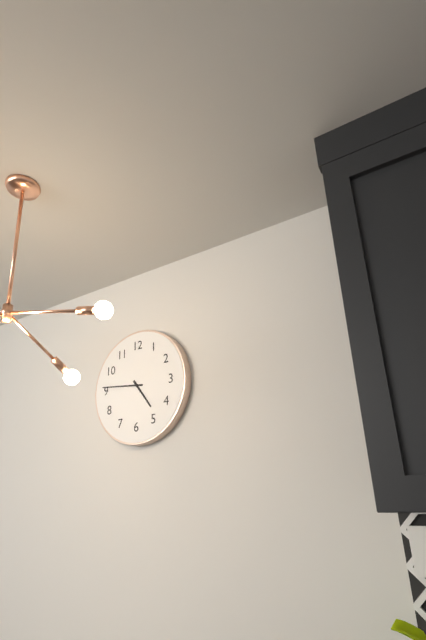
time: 4:46
